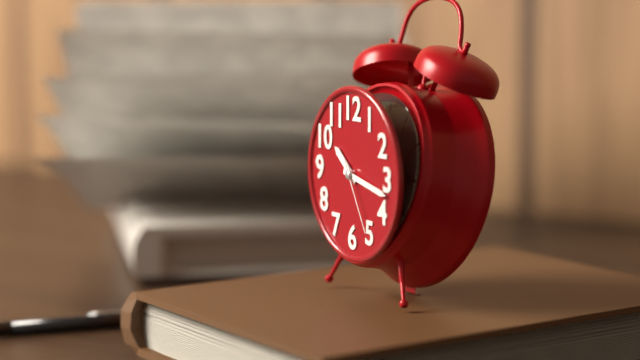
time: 10:17:25
